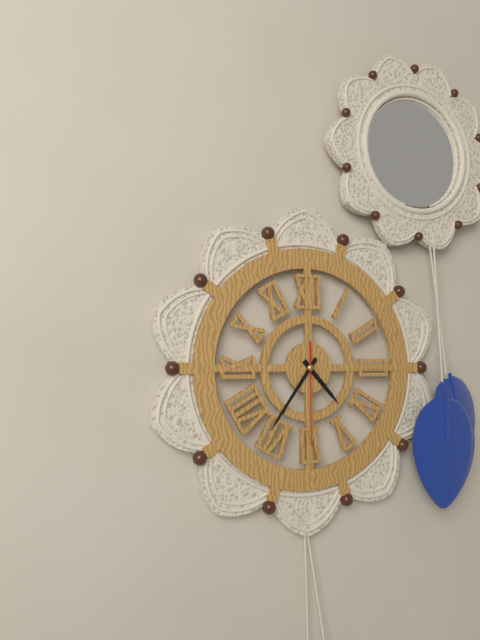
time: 4:36:30
